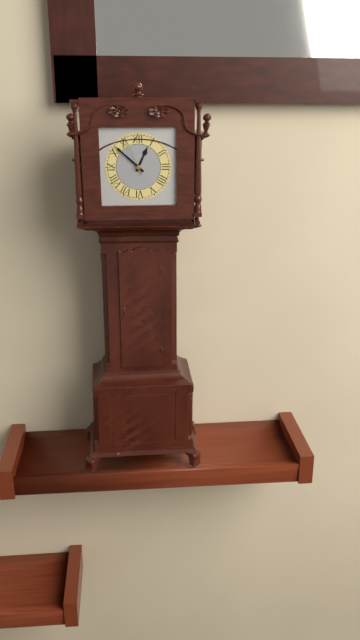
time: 12:52
